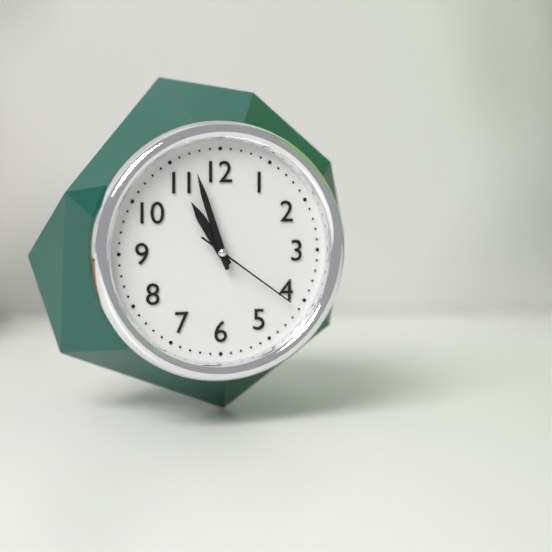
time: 10:57:21
